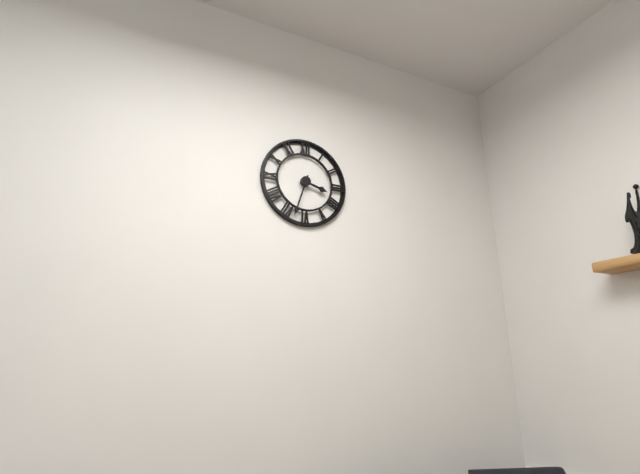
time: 3:33
